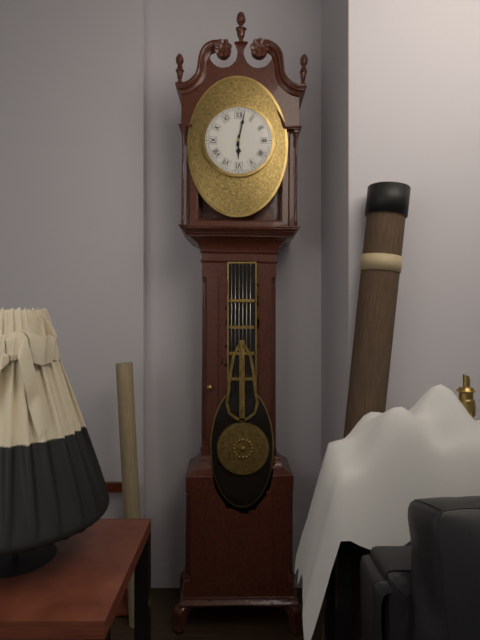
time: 6:02
